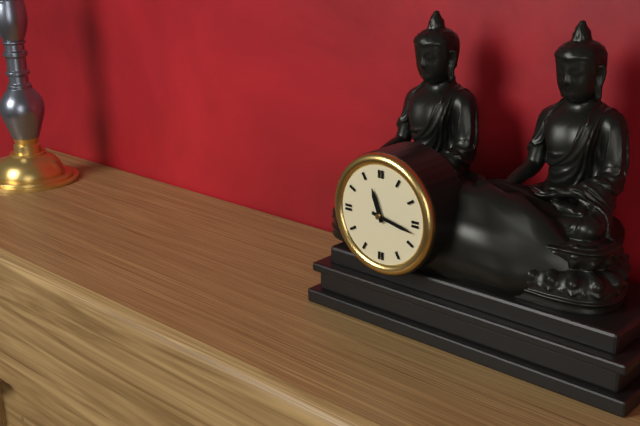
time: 11:17
